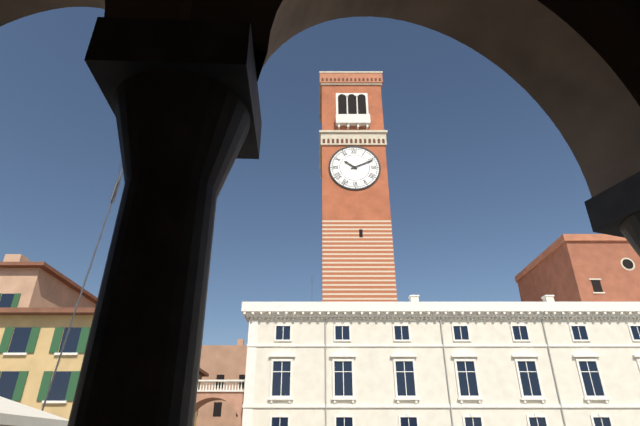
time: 10:11
